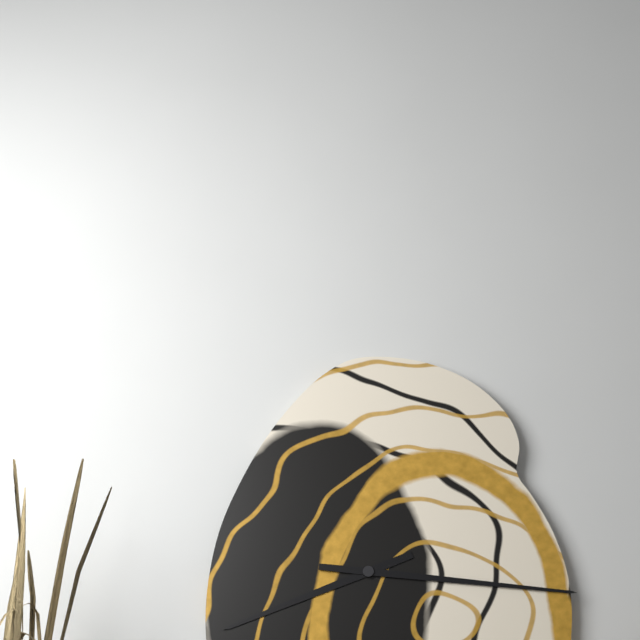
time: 8:16
